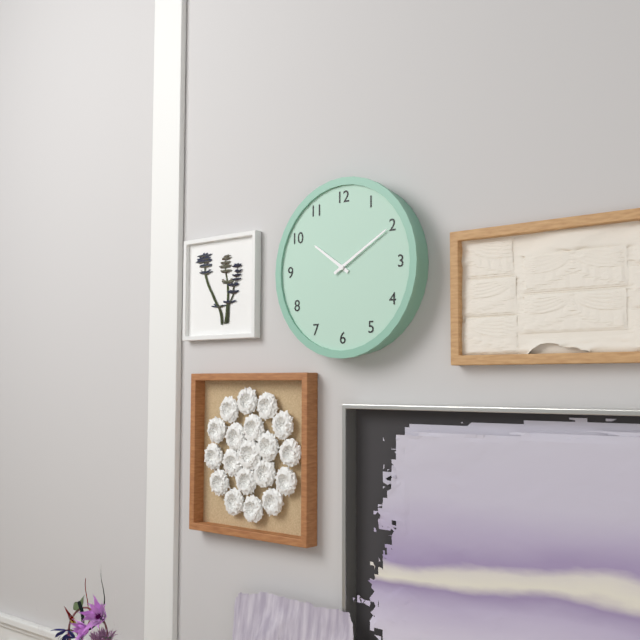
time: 10:10
